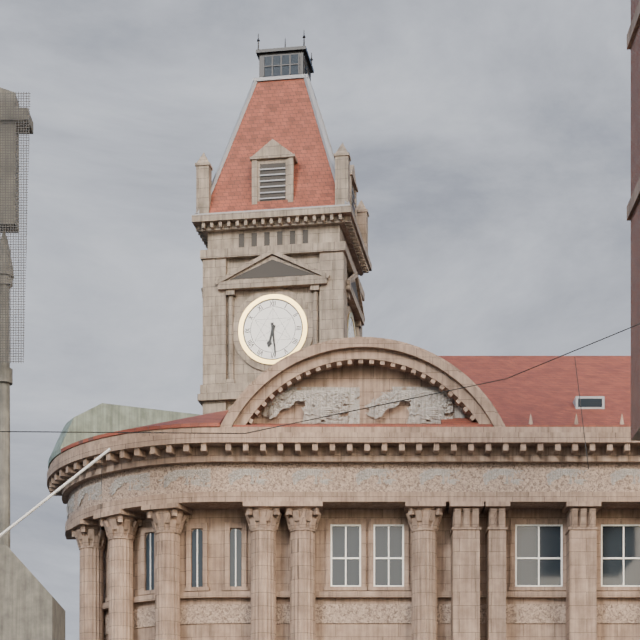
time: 6:29
